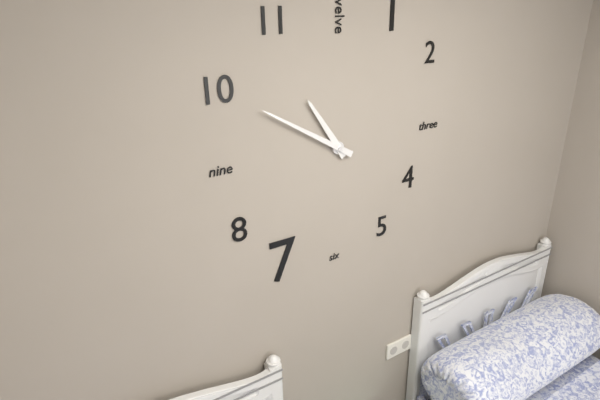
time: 10:50
